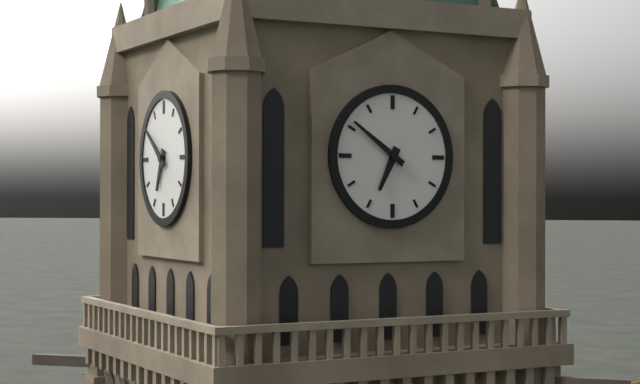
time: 6:51
